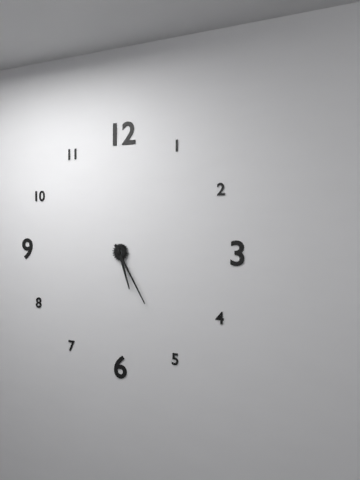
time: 5:25
